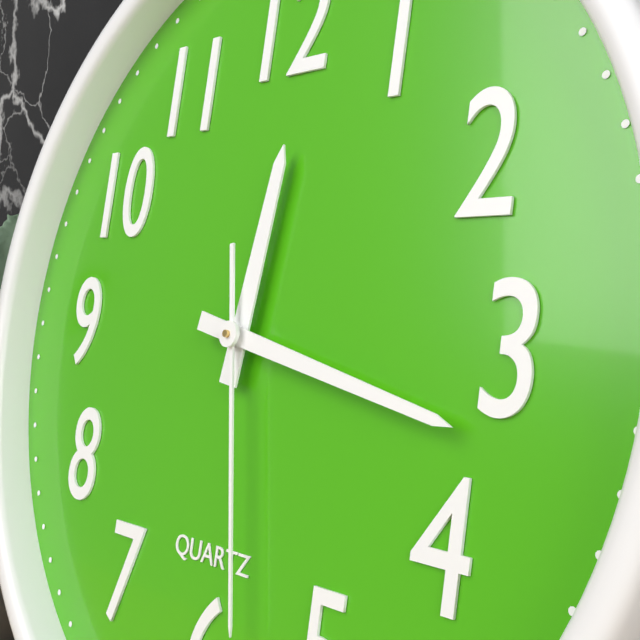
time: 12:17:28
